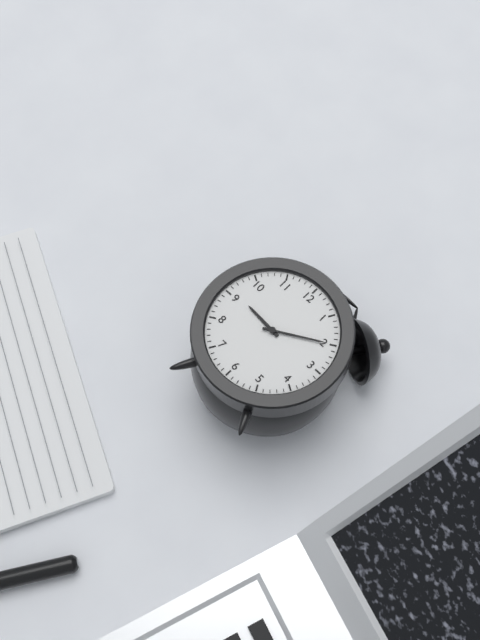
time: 9:10
